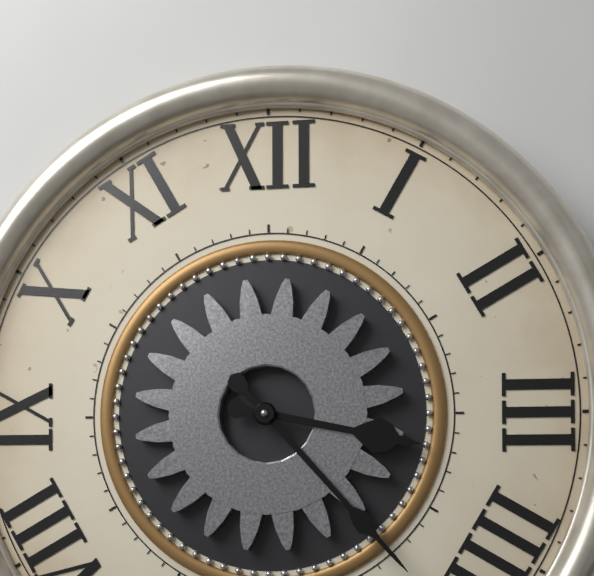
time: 3:23
